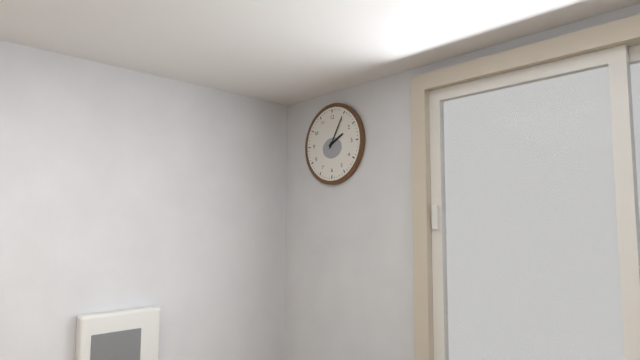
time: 2:05
